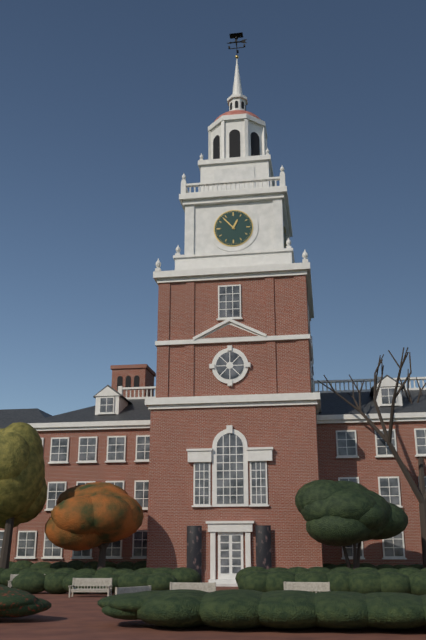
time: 12:53
